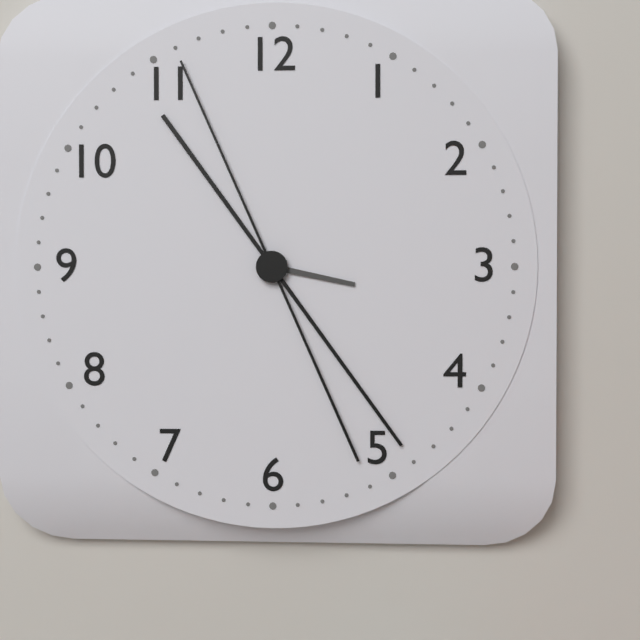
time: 3:24:56
